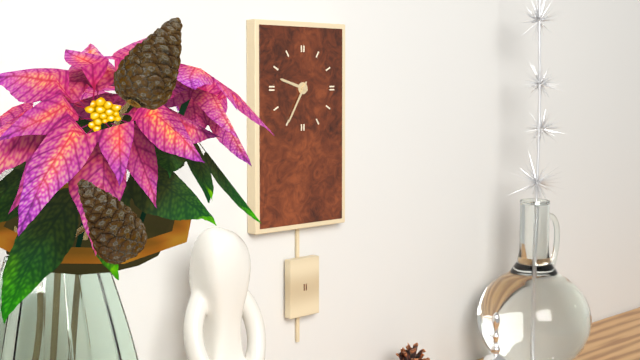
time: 9:35
